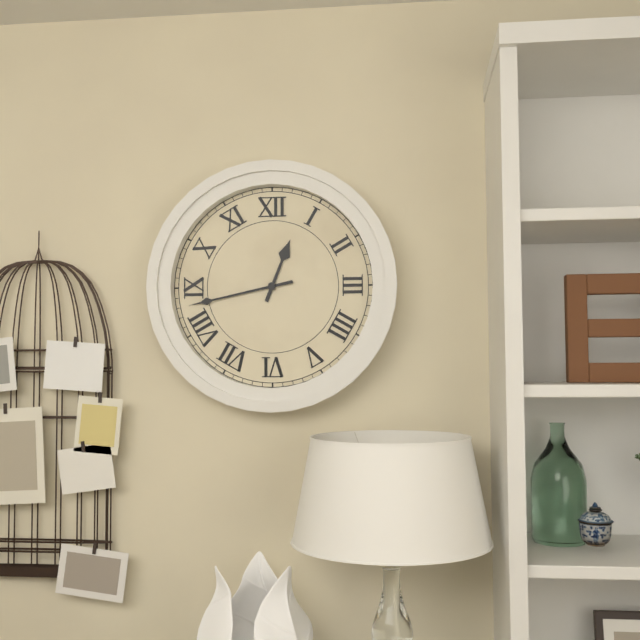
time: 12:43
